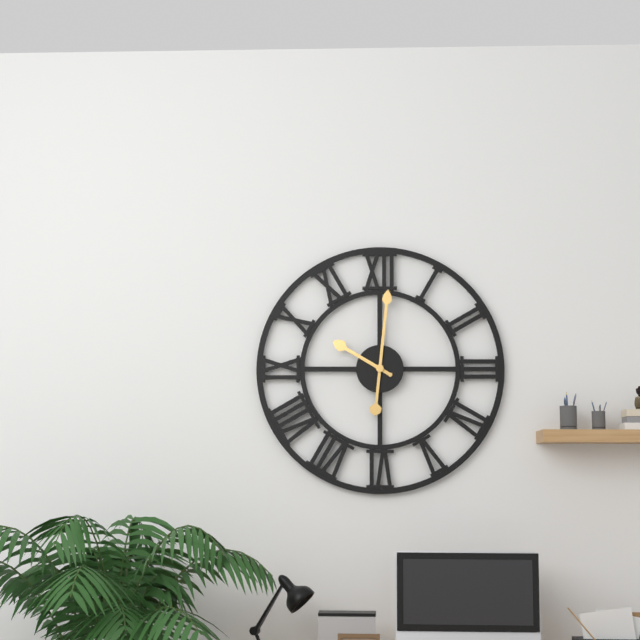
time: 10:01
